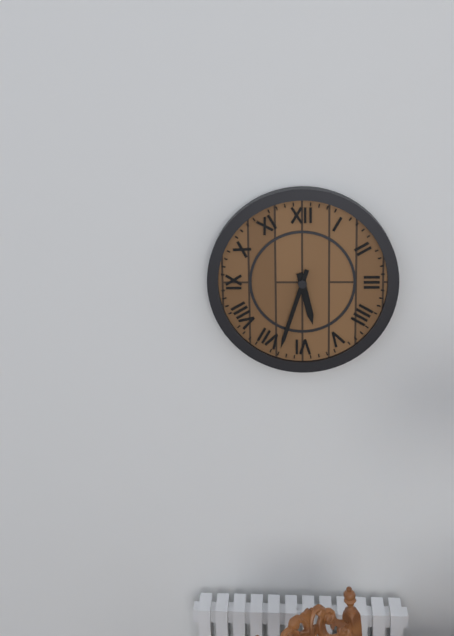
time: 5:33
